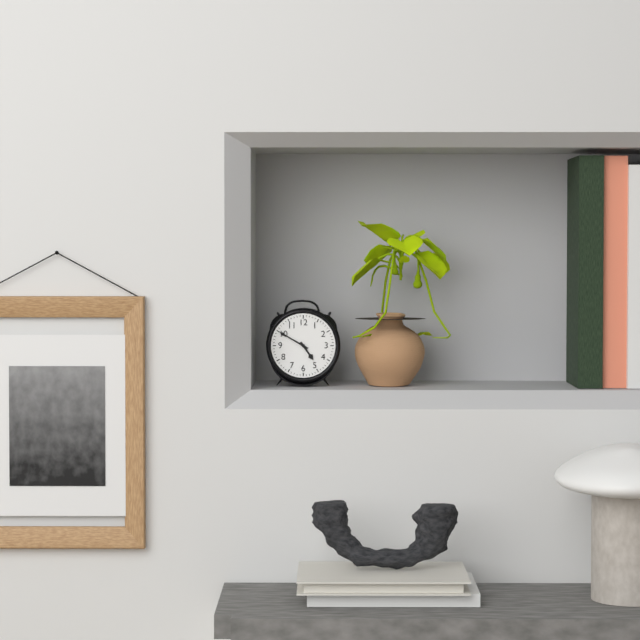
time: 4:50
